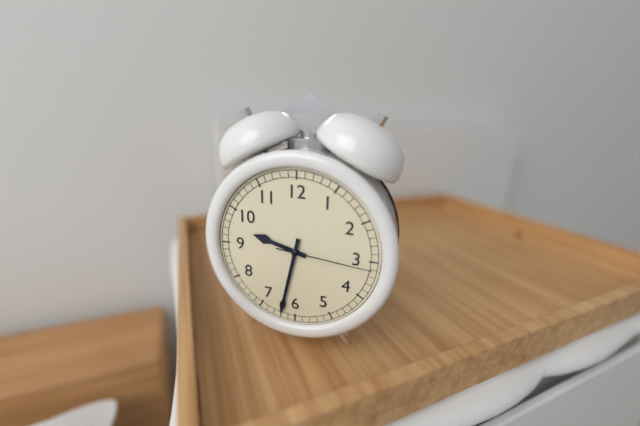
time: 9:32:16
